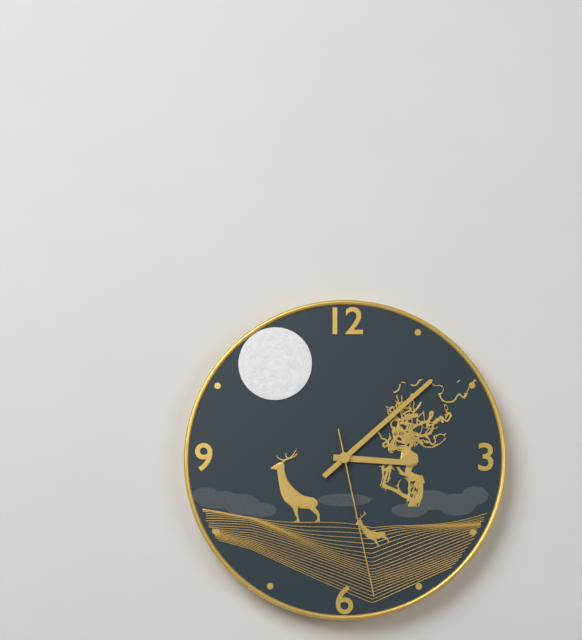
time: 3:08:28
